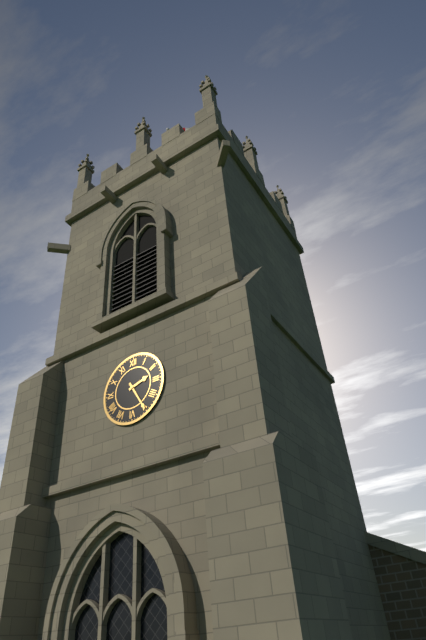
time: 2:25
